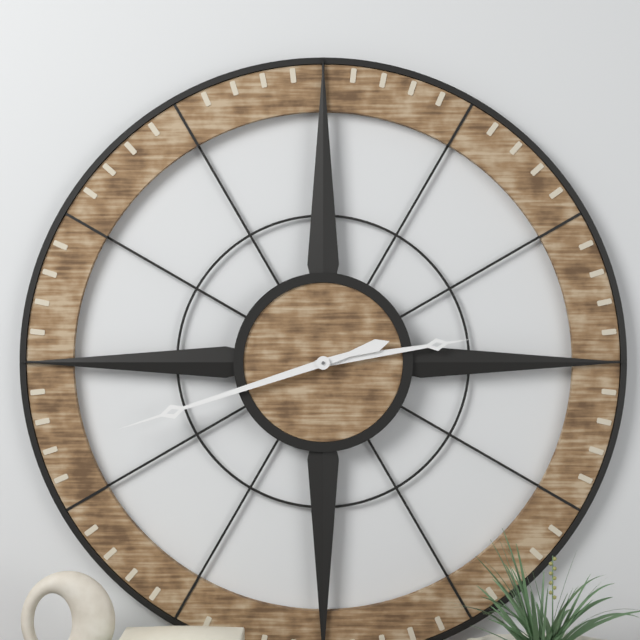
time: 2:42
